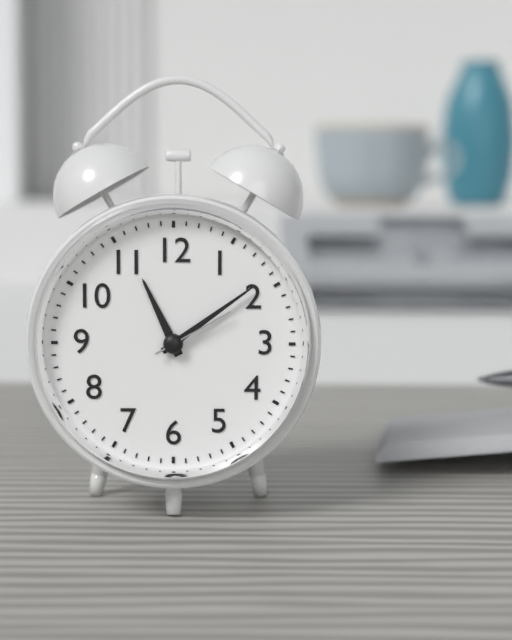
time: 11:09:10
